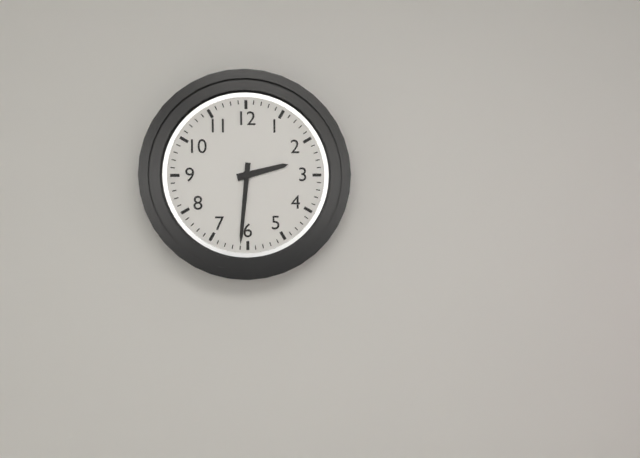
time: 2:31
